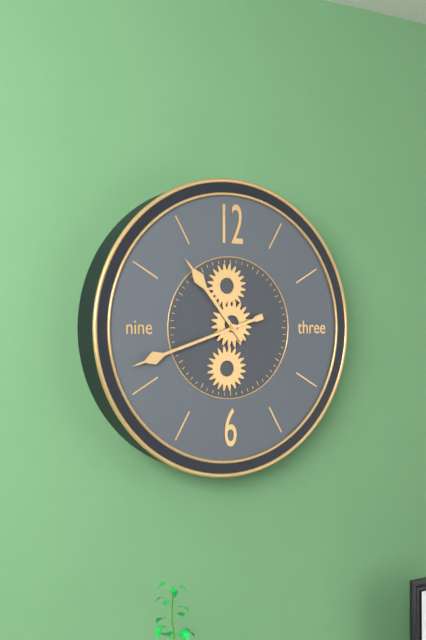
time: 10:42
